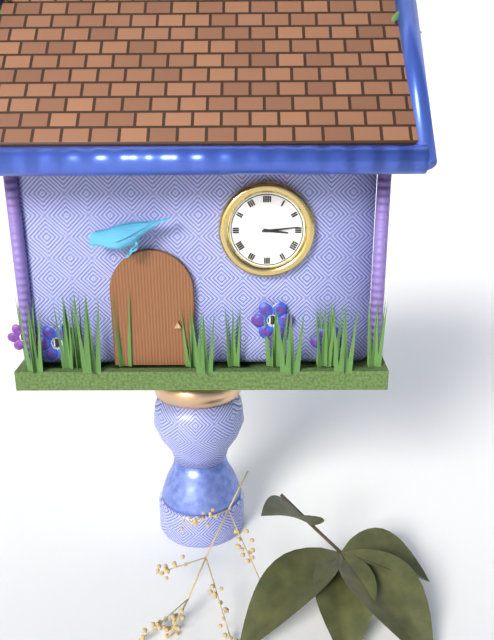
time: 3:14
